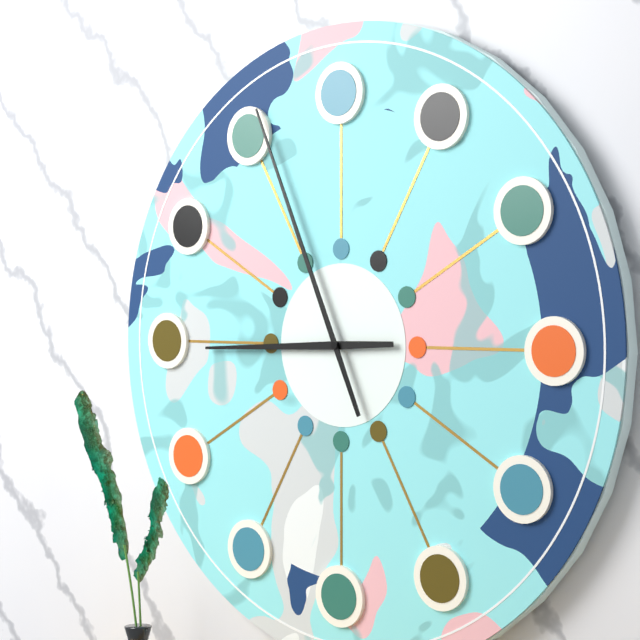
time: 8:56
